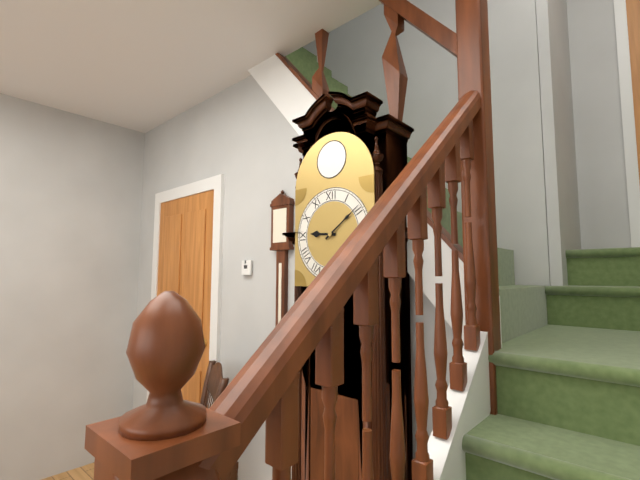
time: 9:09
